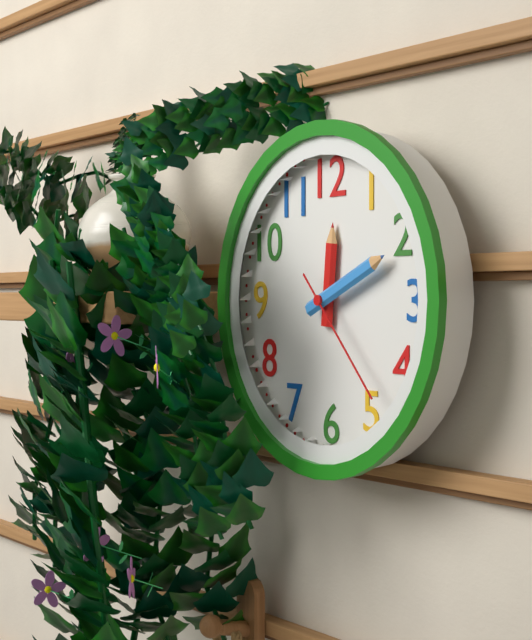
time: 12:11:23
